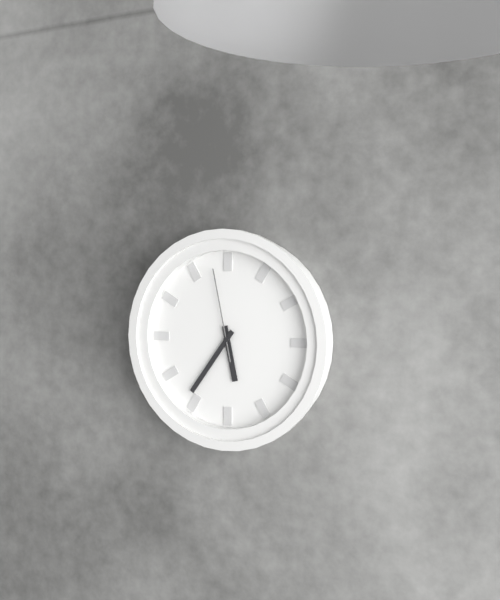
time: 5:36:58
